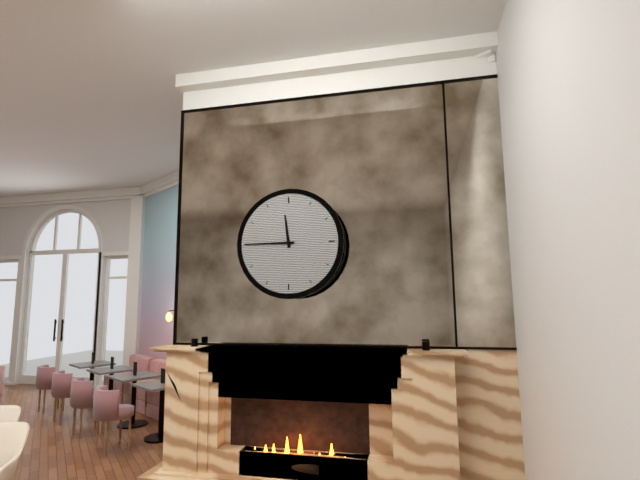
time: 11:45
